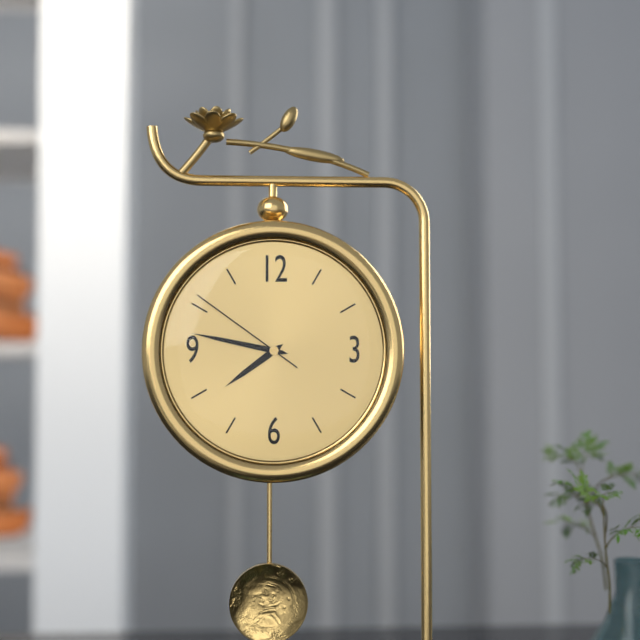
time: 7:47:51
